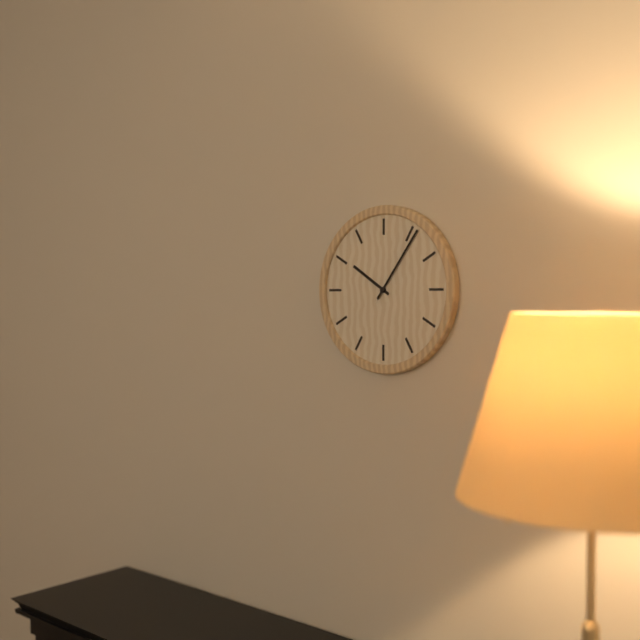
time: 10:06
